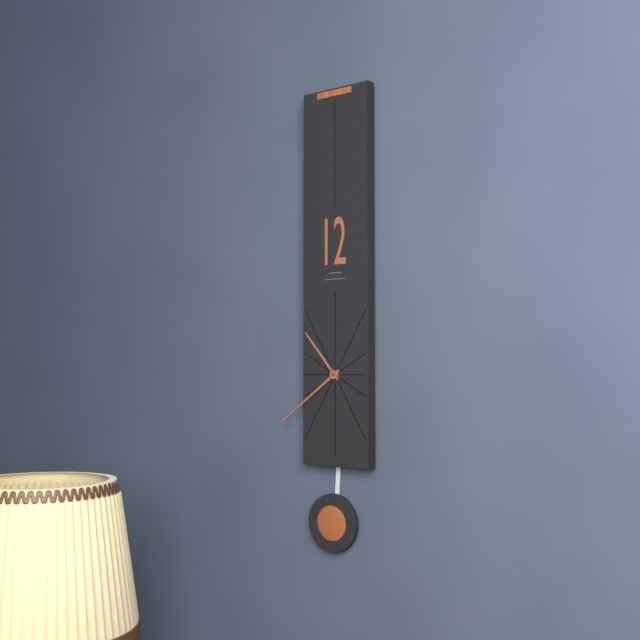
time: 10:39
